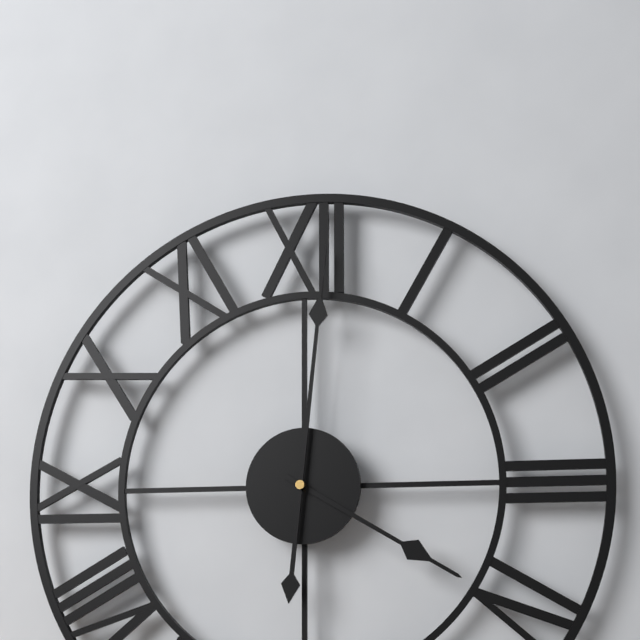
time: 4:01
